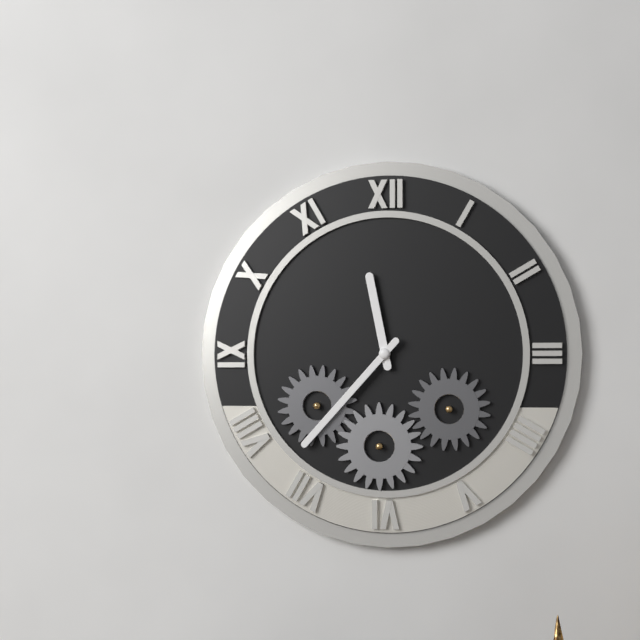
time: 11:37
